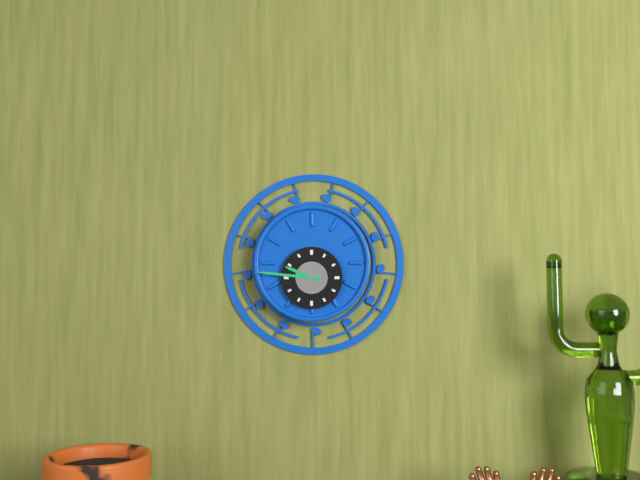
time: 9:46
